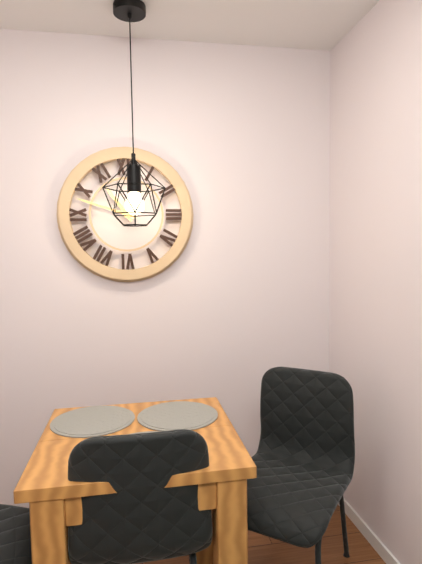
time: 10:48
